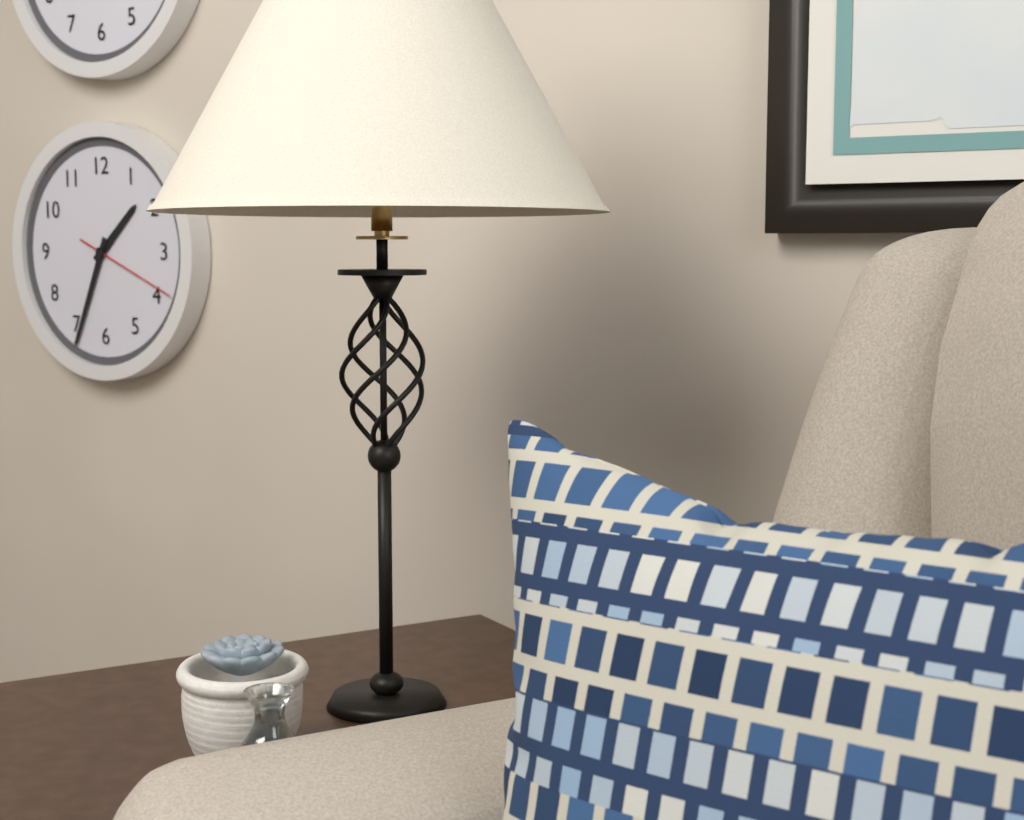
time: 1:34:19
